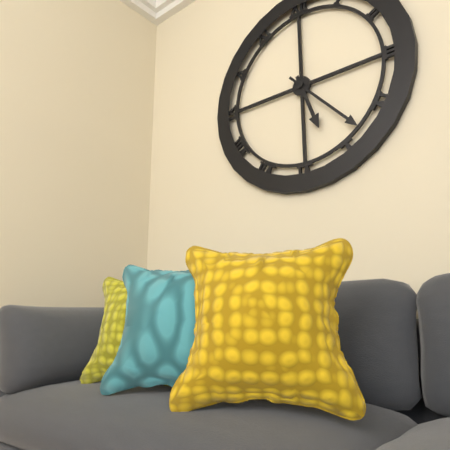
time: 5:23
